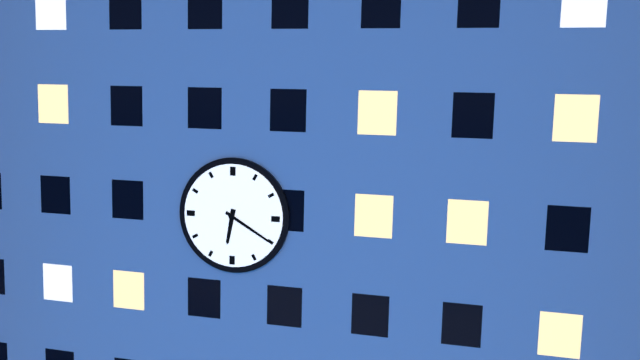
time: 6:20
